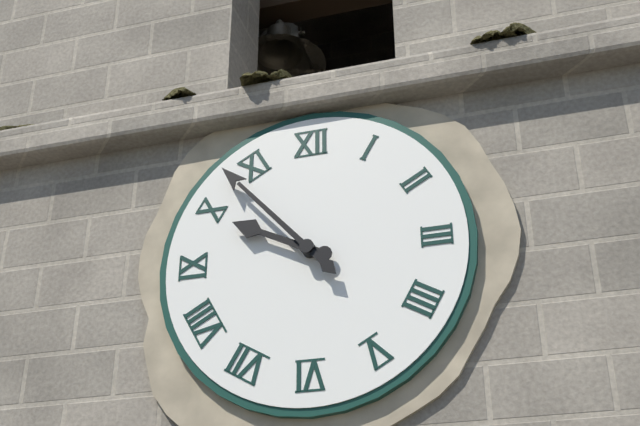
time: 9:53
